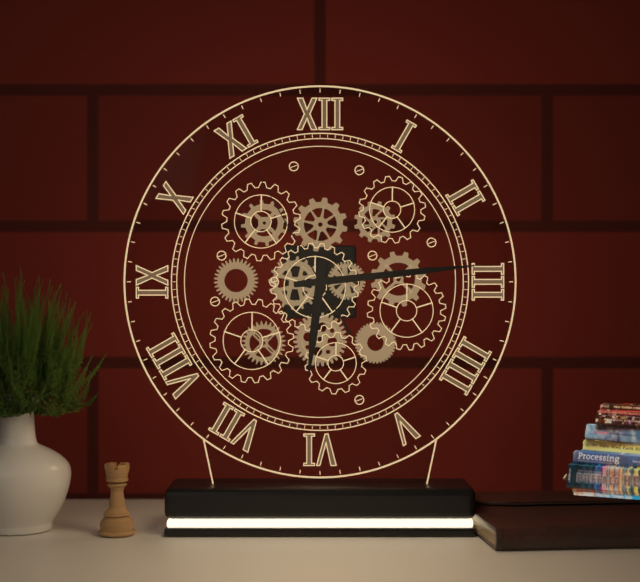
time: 6:14:55
